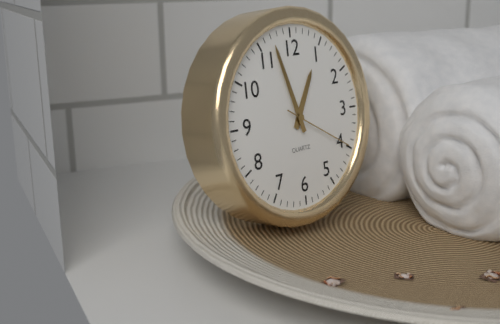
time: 12:57:20
